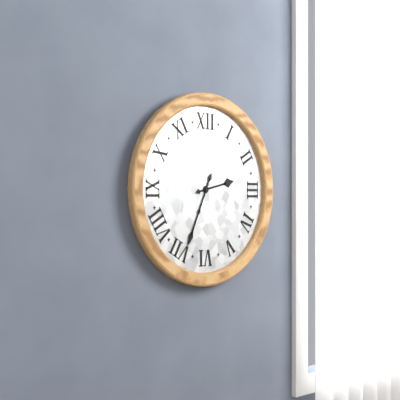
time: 2:34
